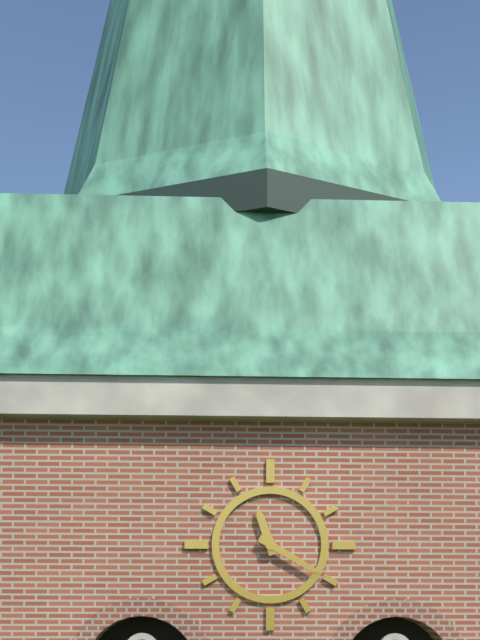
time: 11:20
